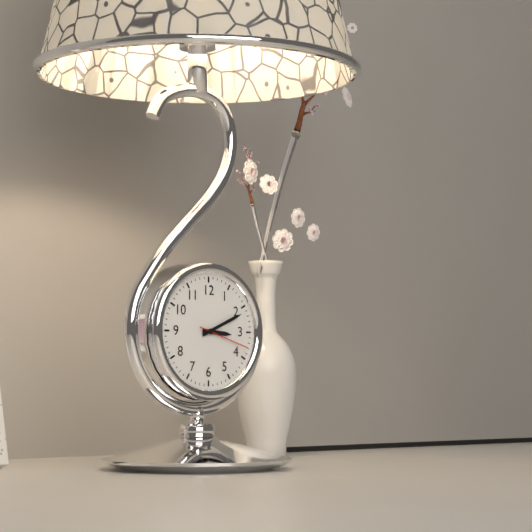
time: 3:11:18
